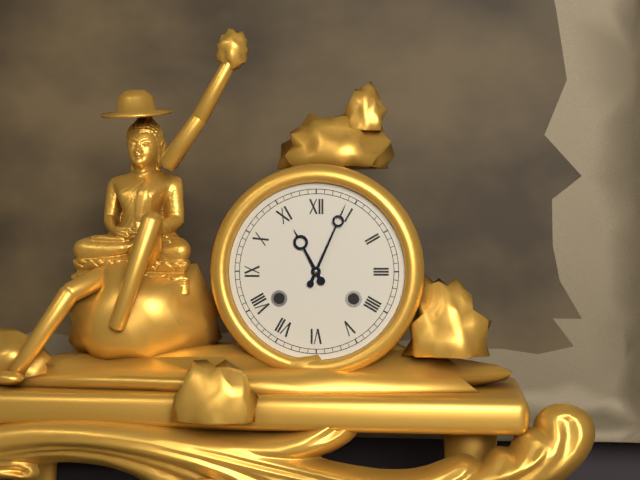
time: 11:04
